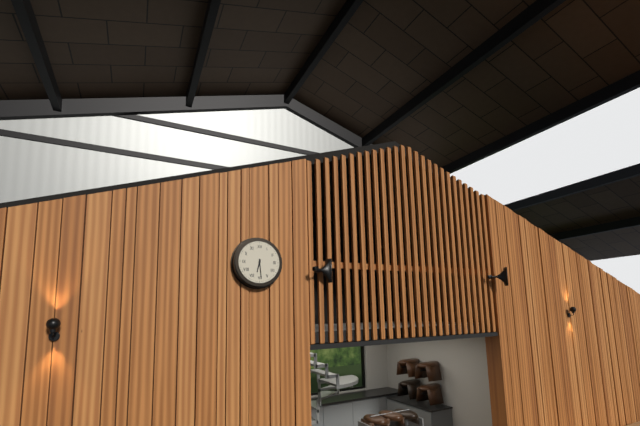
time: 6:29
